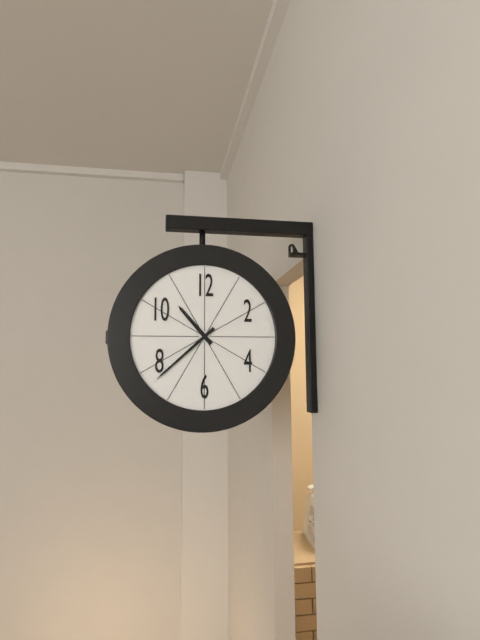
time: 10:38
